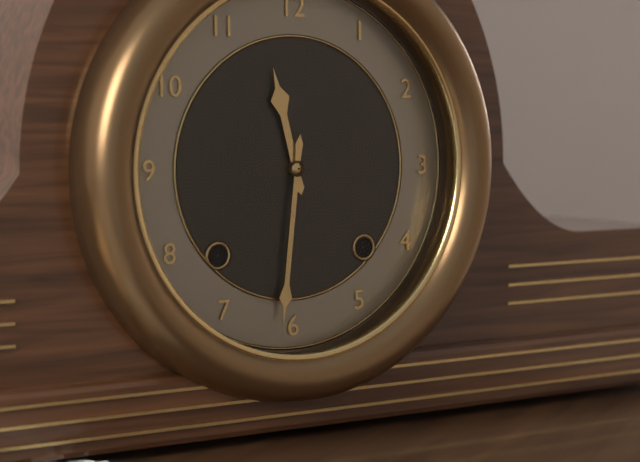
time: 11:31
